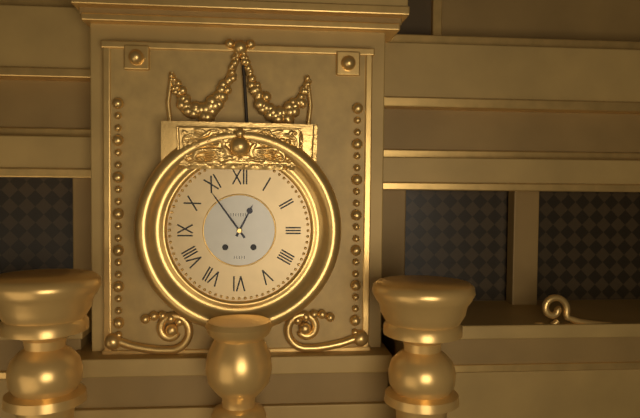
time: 12:54
